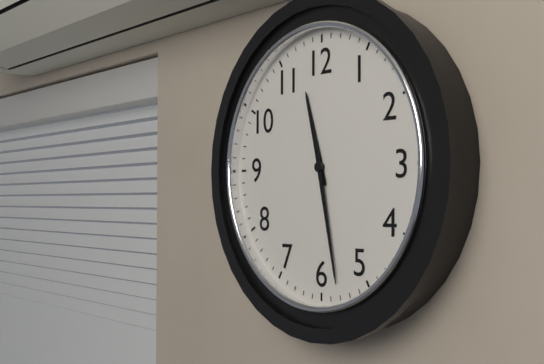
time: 11:28
